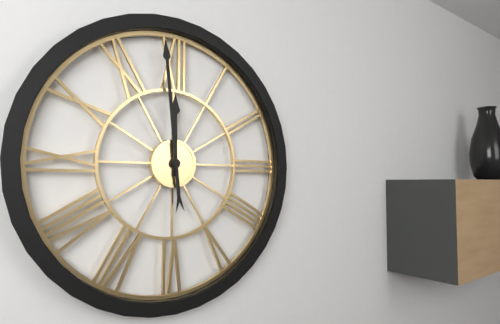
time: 11:59
